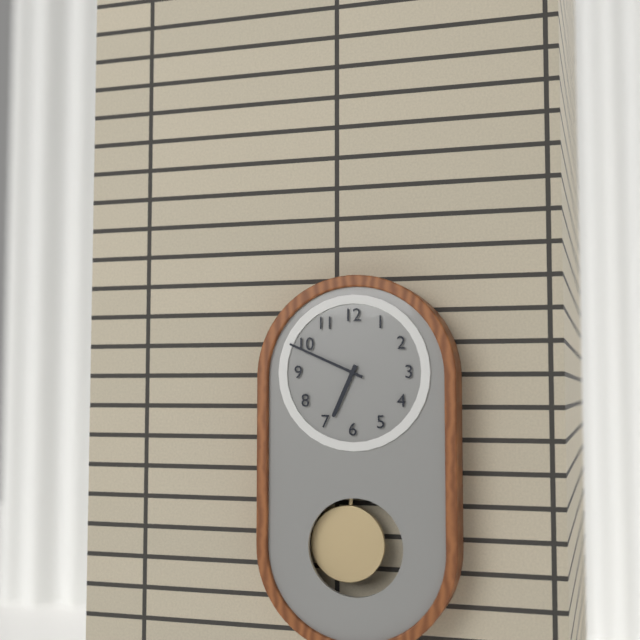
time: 6:49
